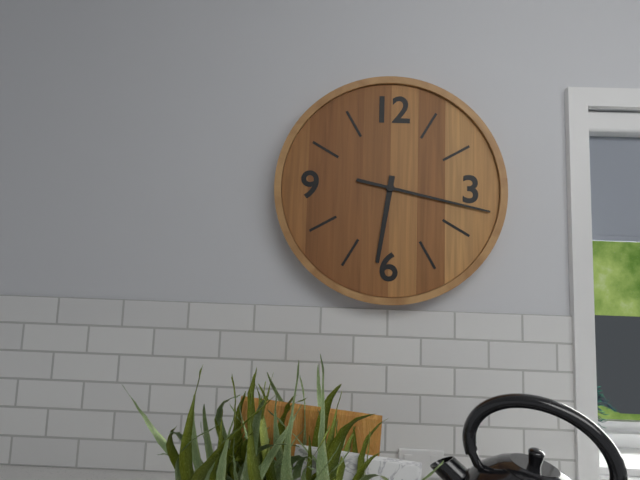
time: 6:17
